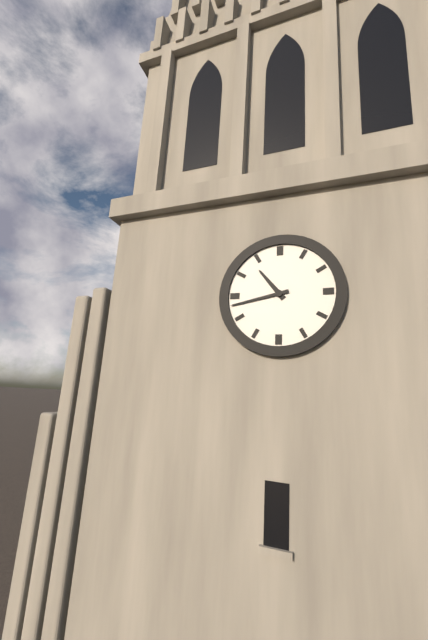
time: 10:43
